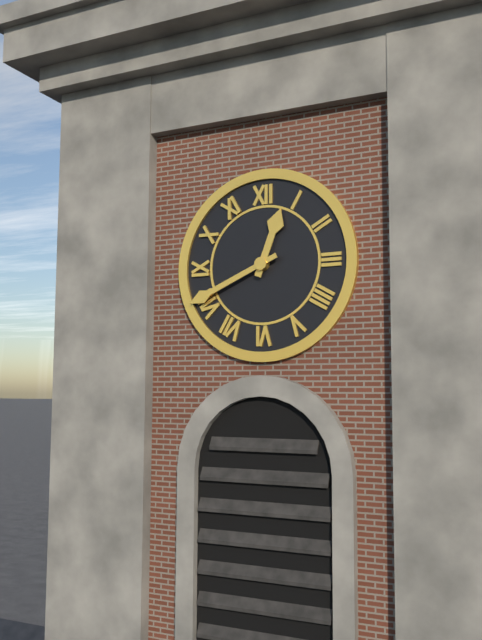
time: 12:41
